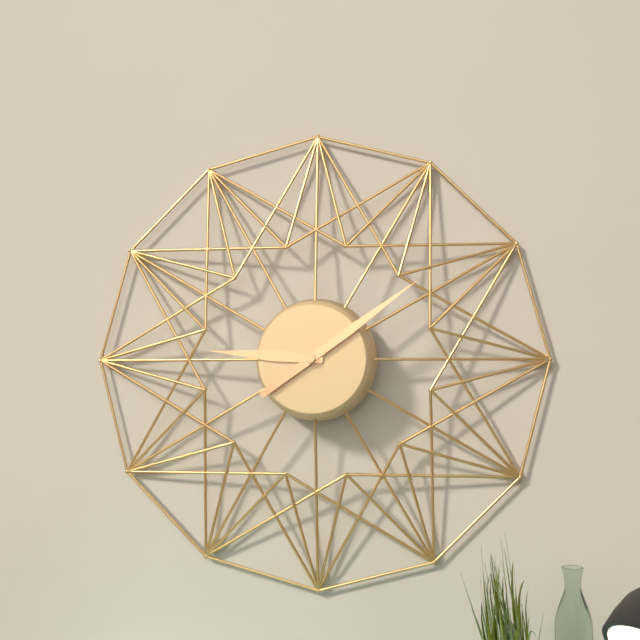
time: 9:09
